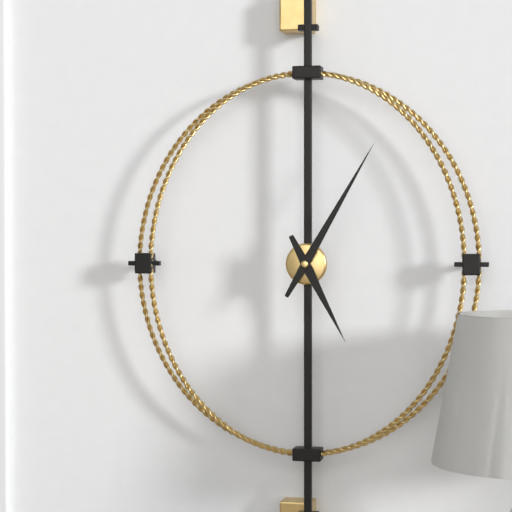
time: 5:05
